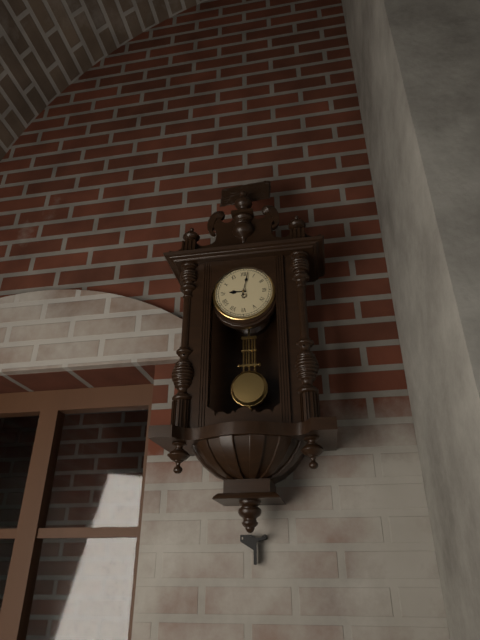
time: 9:02
